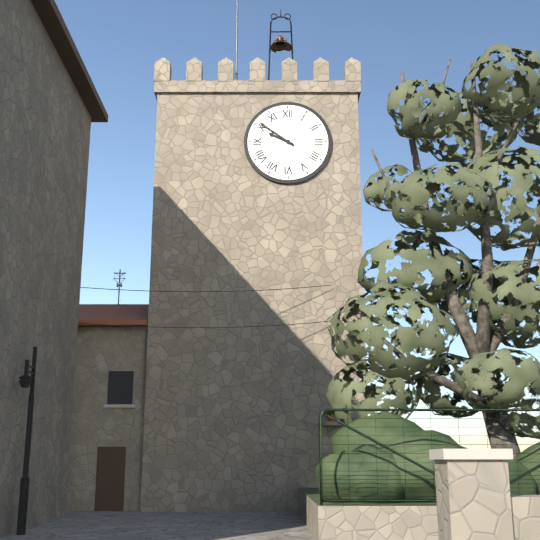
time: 9:51
